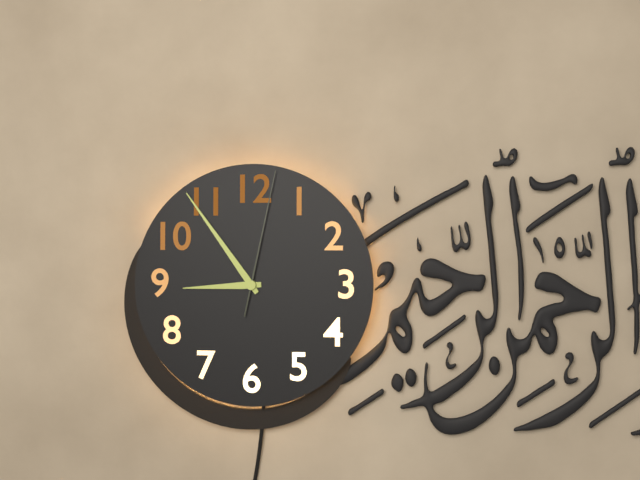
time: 8:54:02
